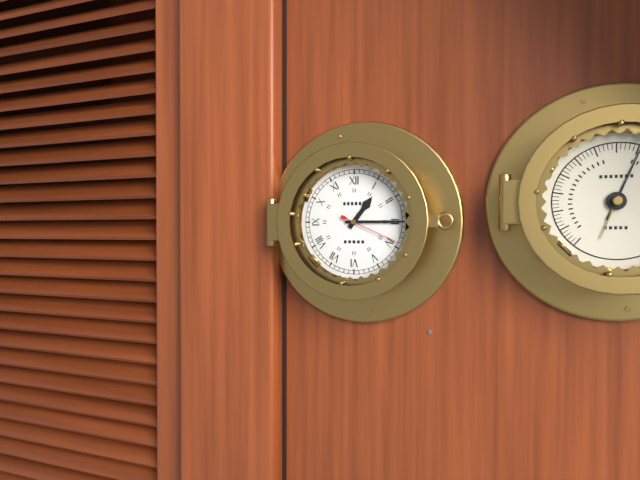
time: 1:15:19
